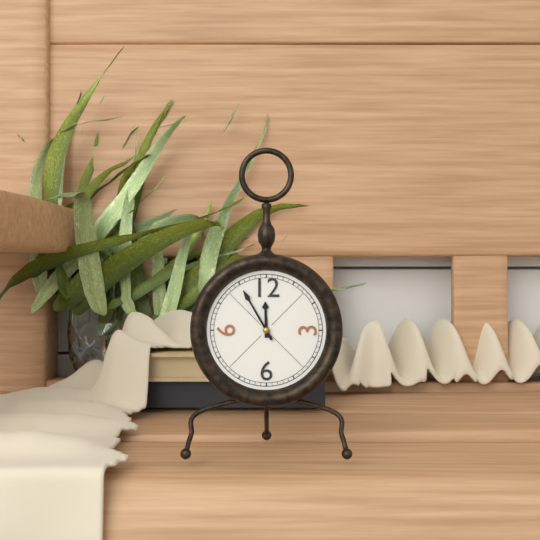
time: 11:55
